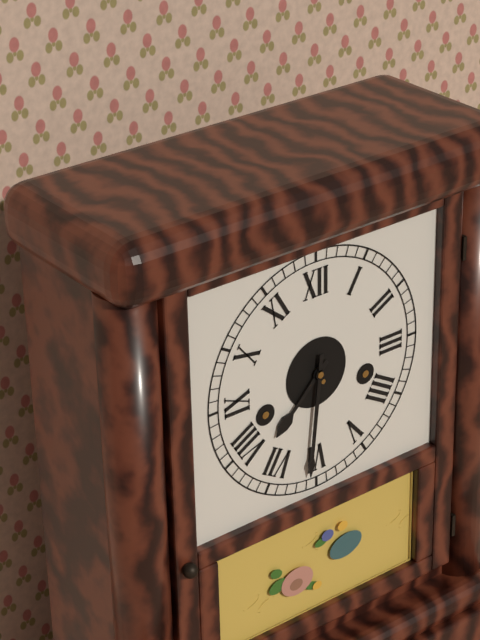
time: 7:31
